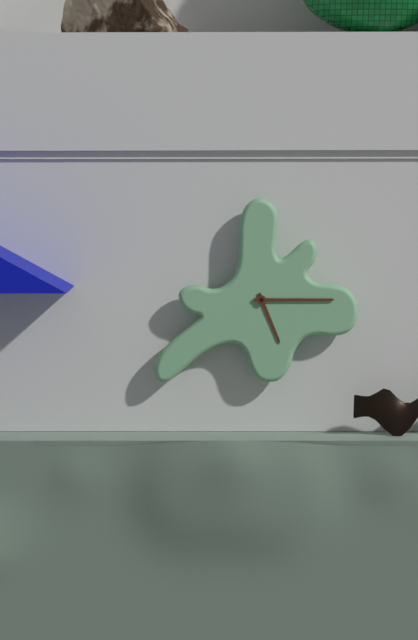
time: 5:15
